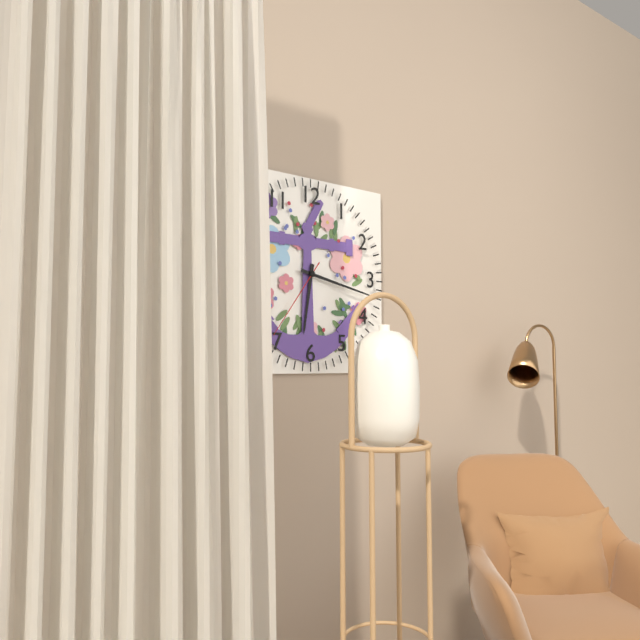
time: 6:17:36
